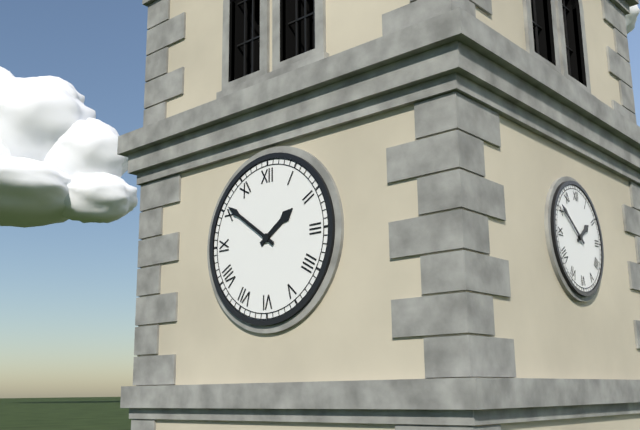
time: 1:51
